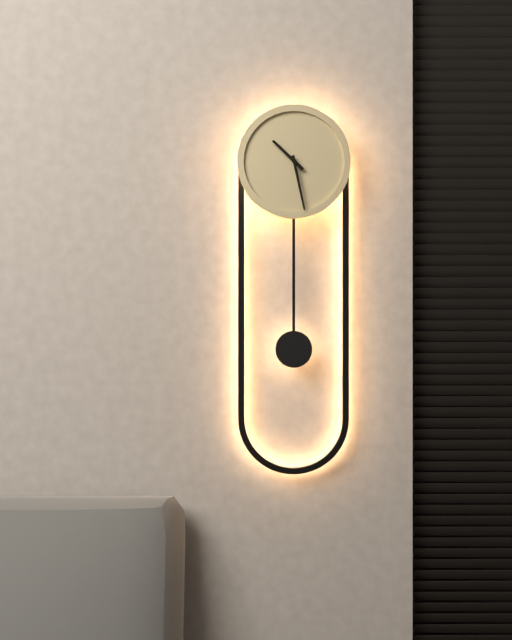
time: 10:28
